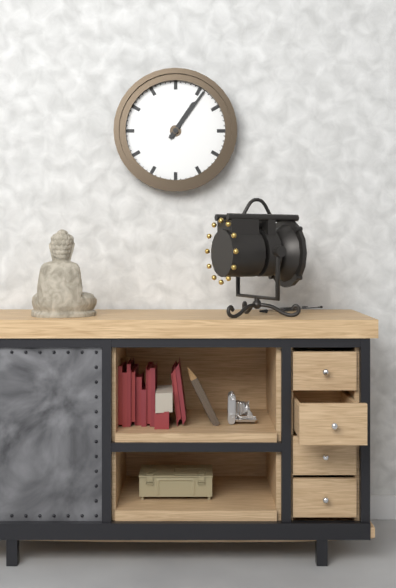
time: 1:06
